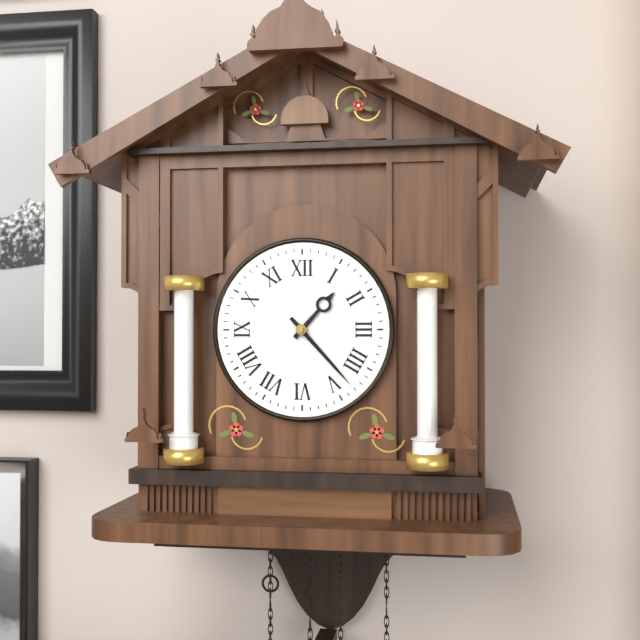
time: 1:23
